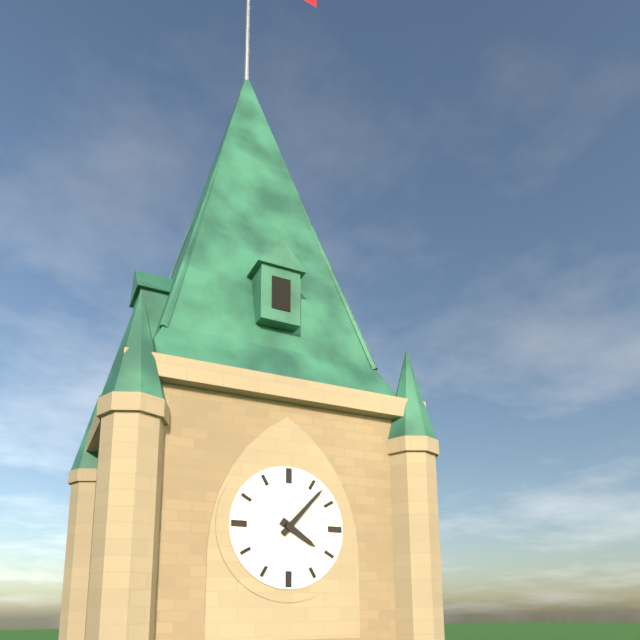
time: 4:07
